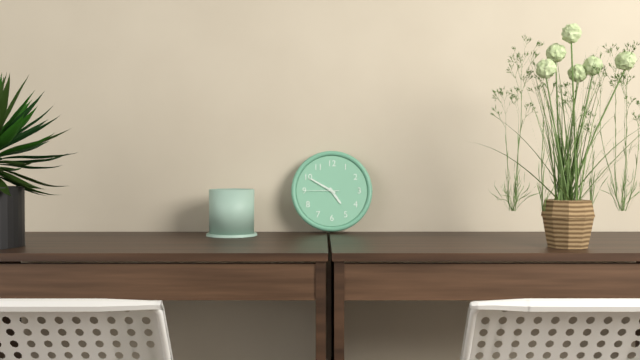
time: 4:50
